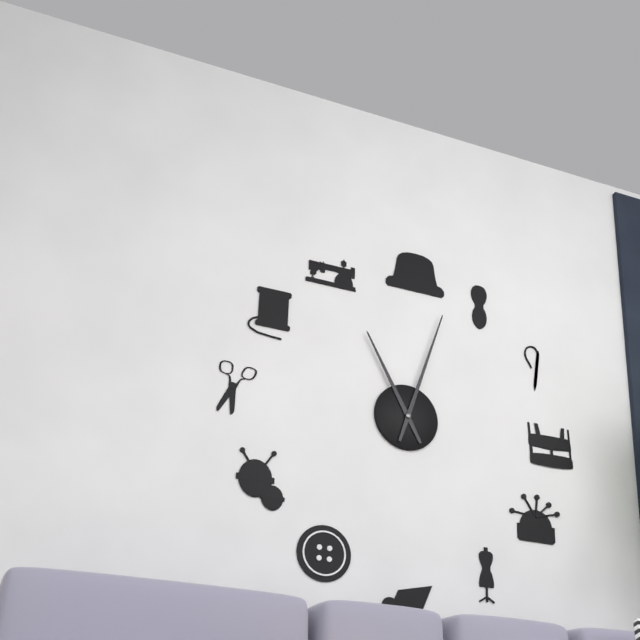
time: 11:03
